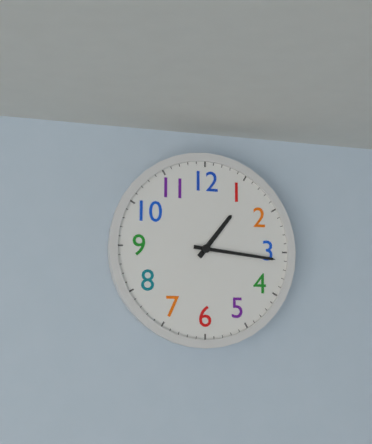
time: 1:16
